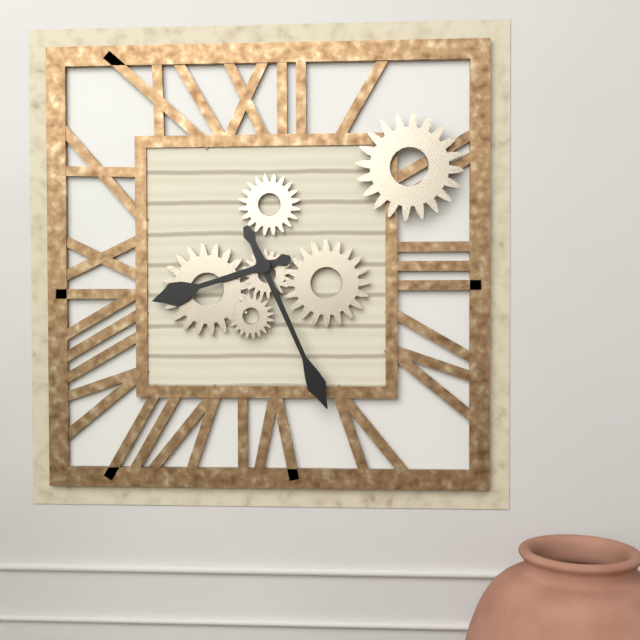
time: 8:26
